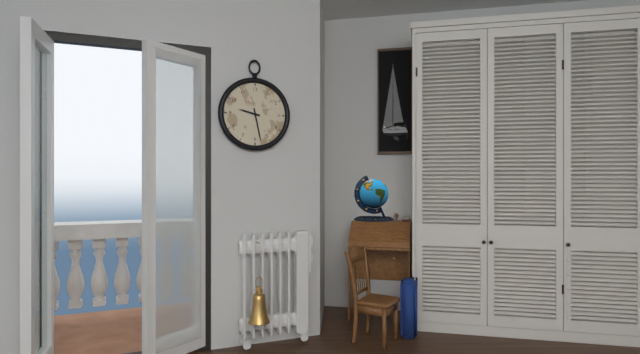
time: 9:28
